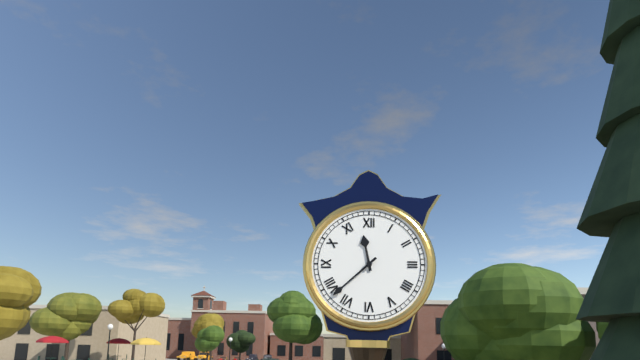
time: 11:38
